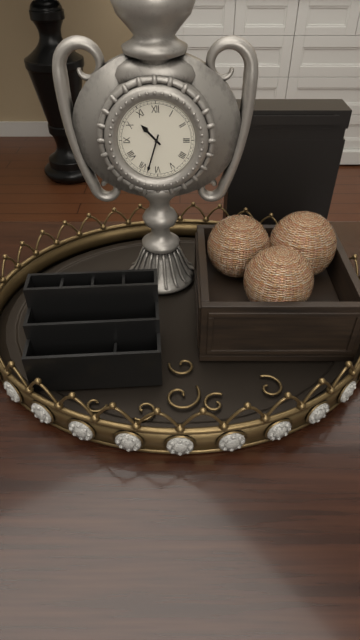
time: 10:33
